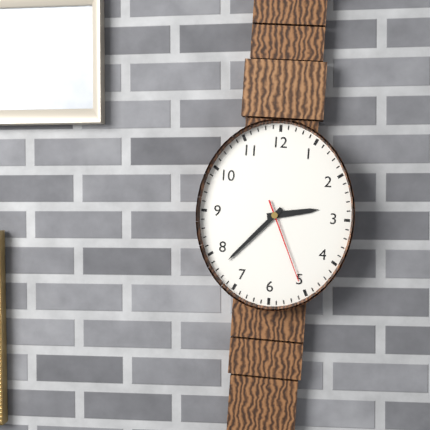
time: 2:37:26
